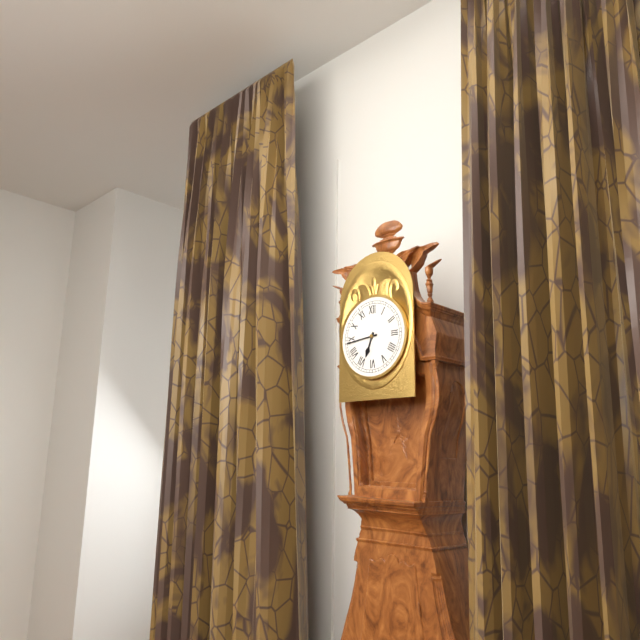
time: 6:44
